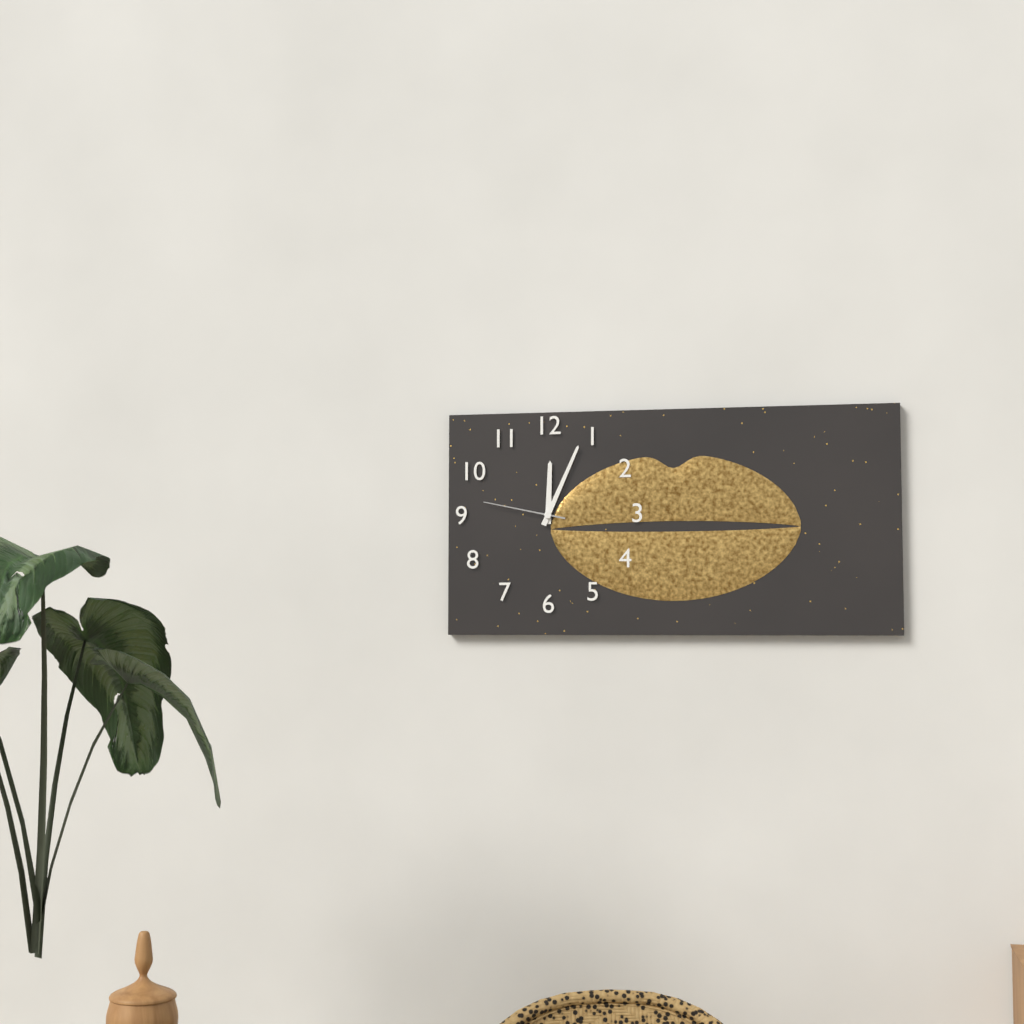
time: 12:04:47
